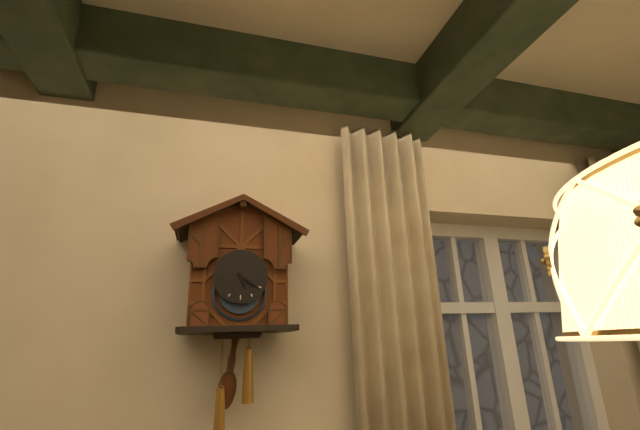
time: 5:21
